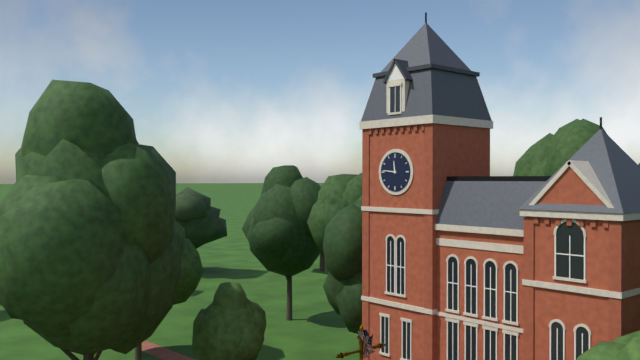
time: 11:46
